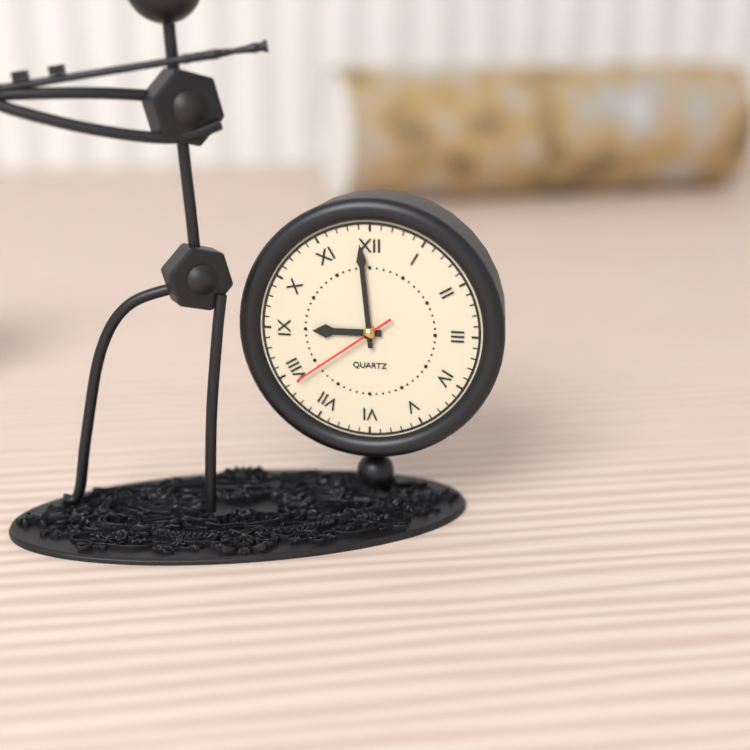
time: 8:59:39
